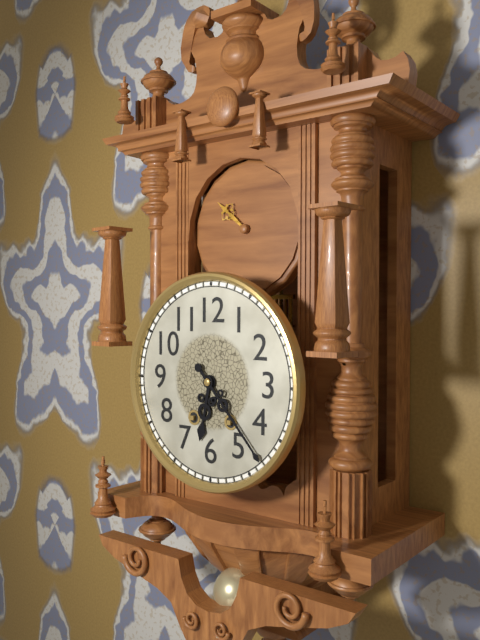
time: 6:23
